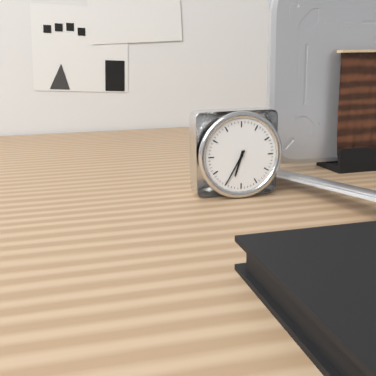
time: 6:35
